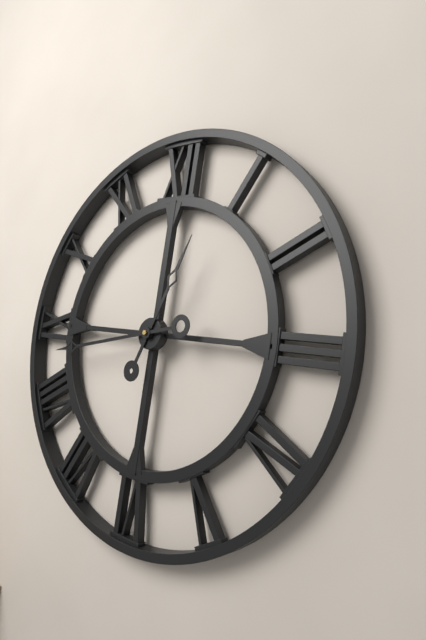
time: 12:43
